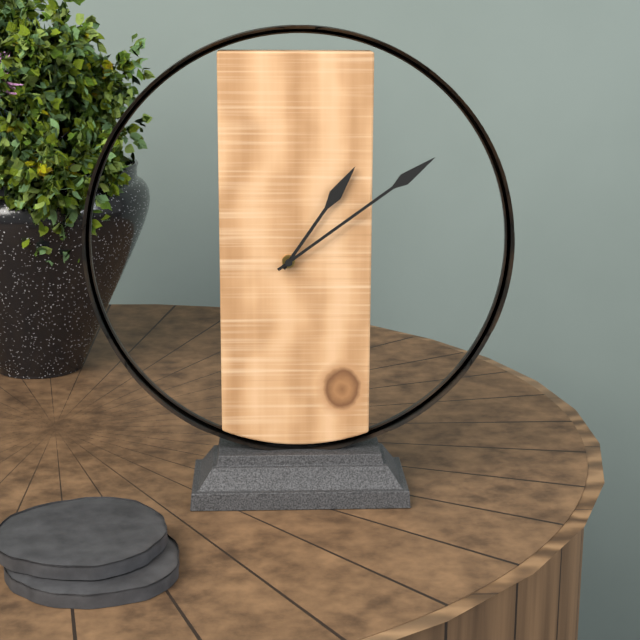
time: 1:09
